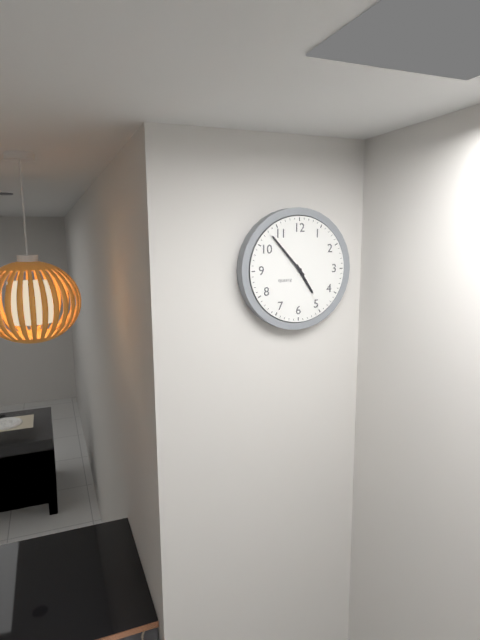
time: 4:53
